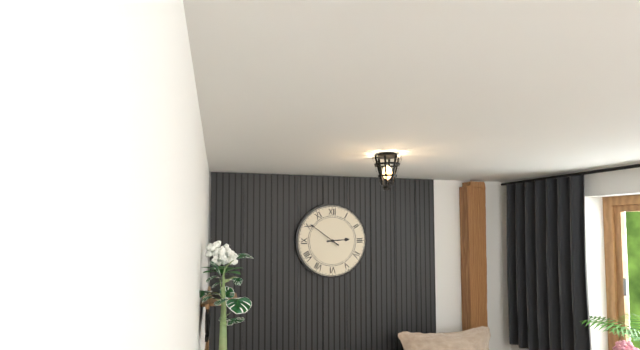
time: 2:51
